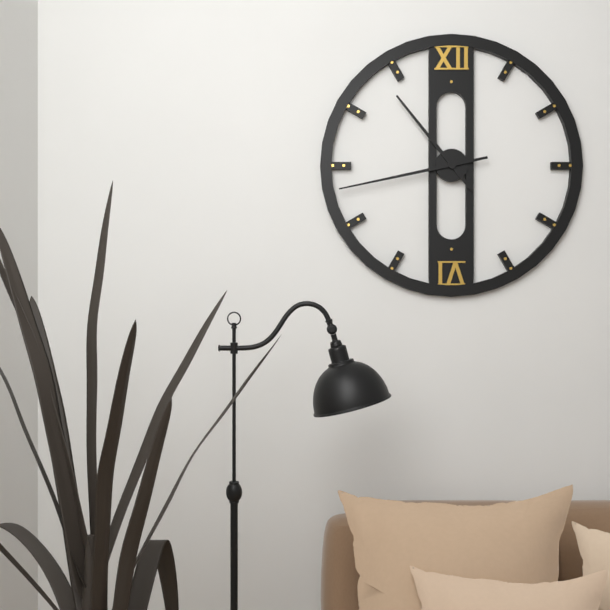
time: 10:43
